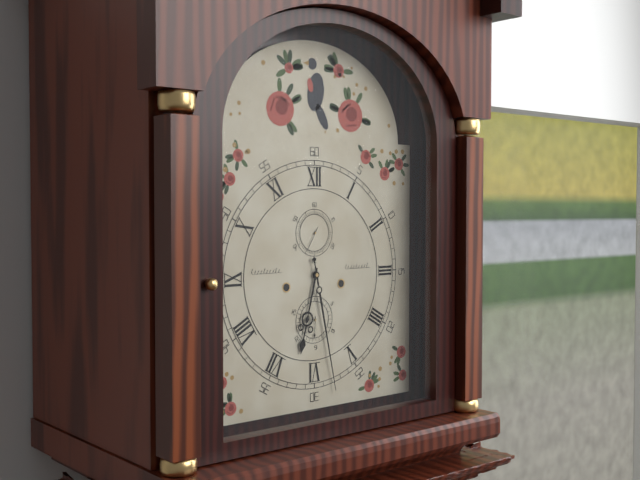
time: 6:28
